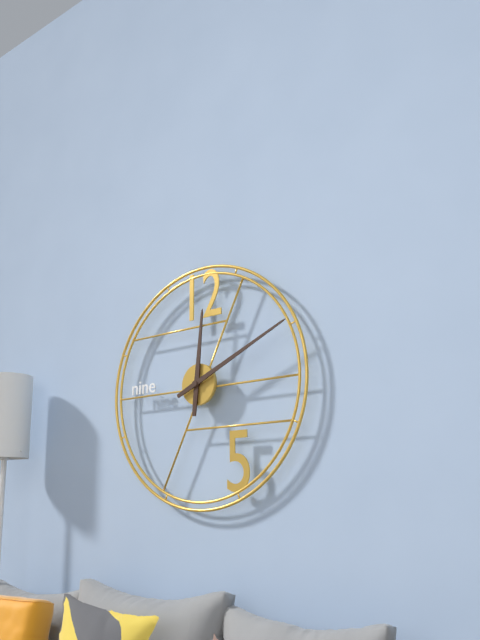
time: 12:11
